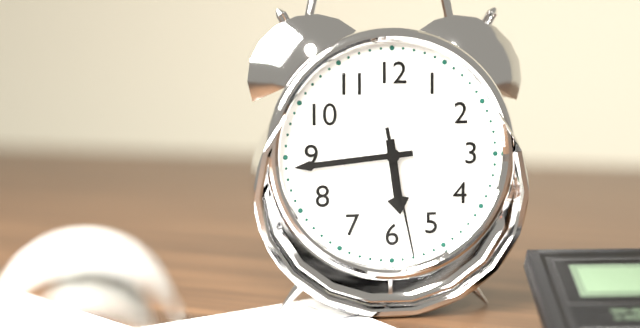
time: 5:44:28
